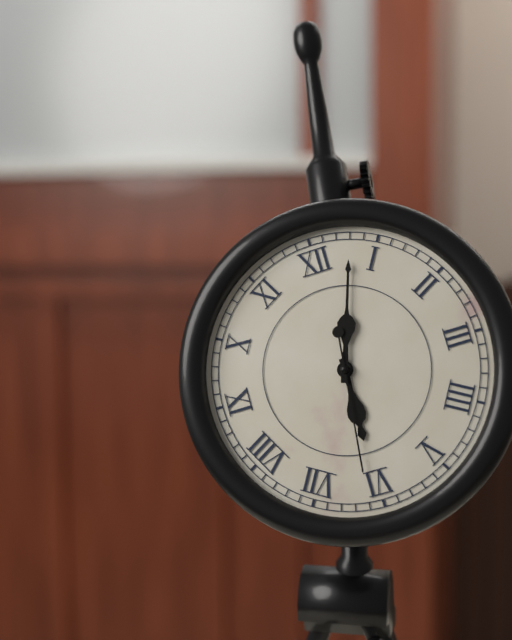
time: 6:03:31
